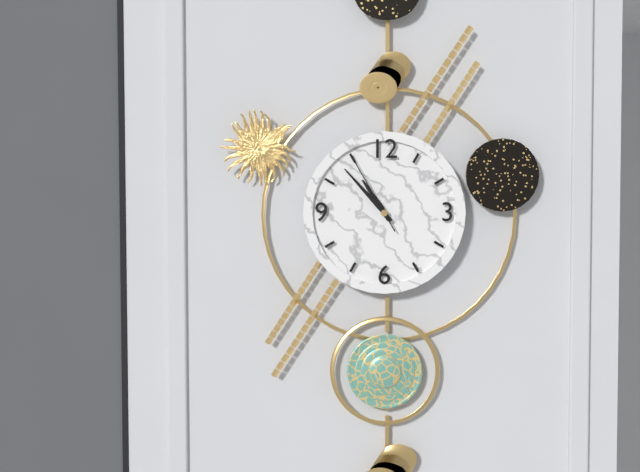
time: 10:53:55
